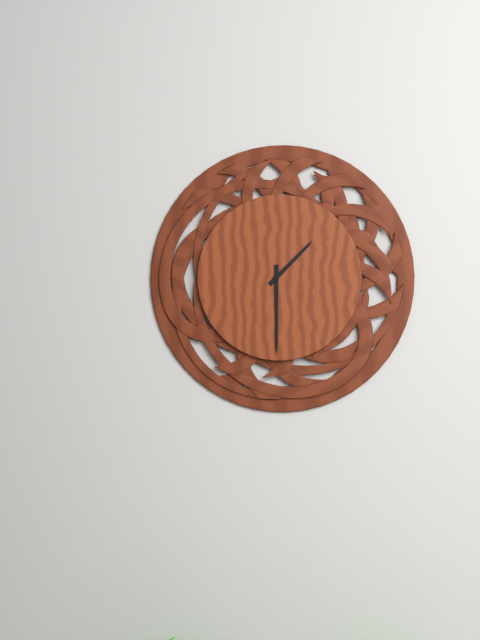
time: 1:30
